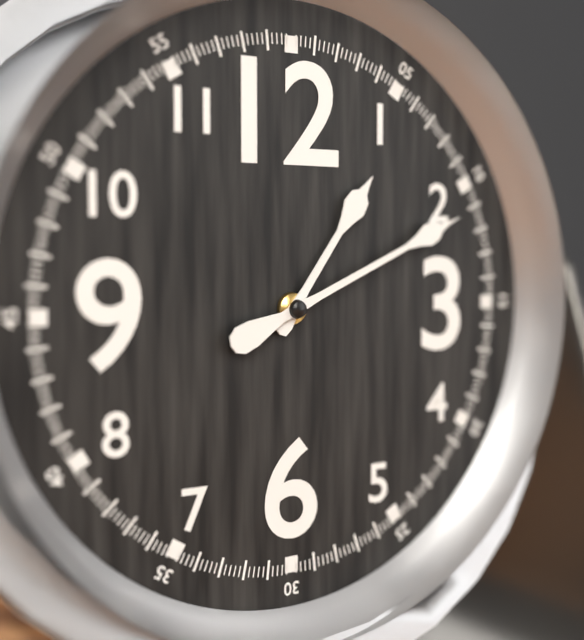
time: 1:11
